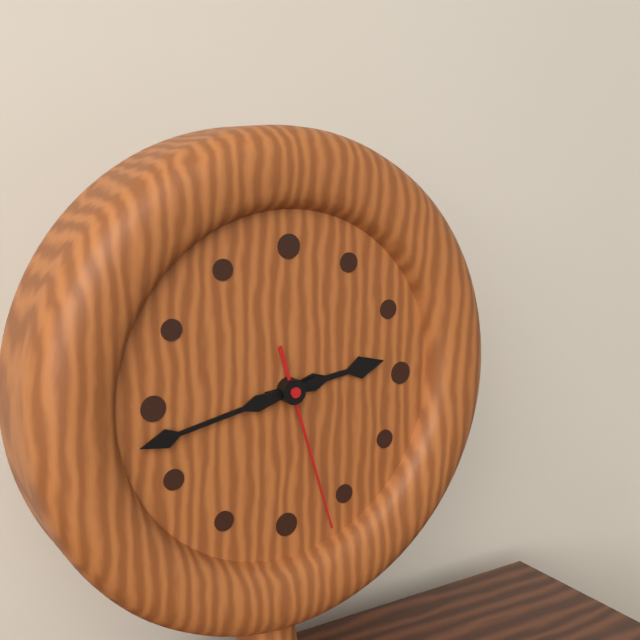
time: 2:43:27
